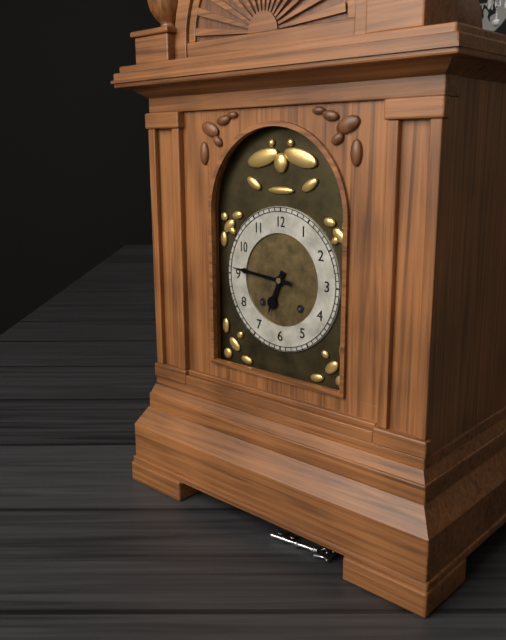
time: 6:46
